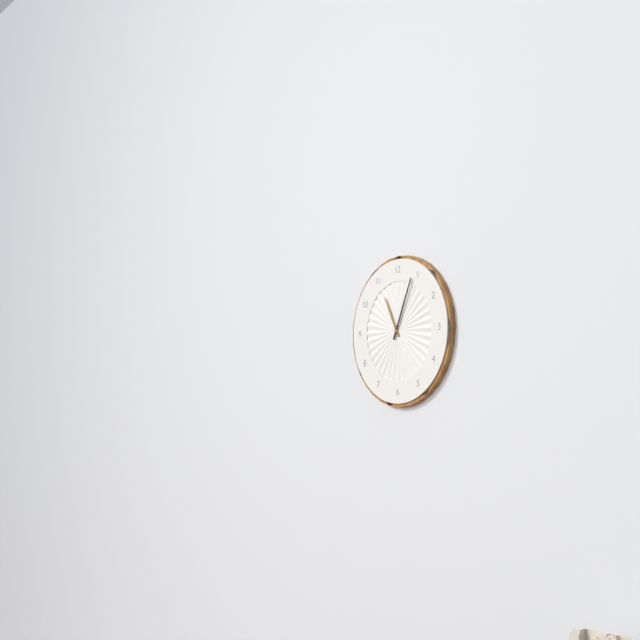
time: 11:04
